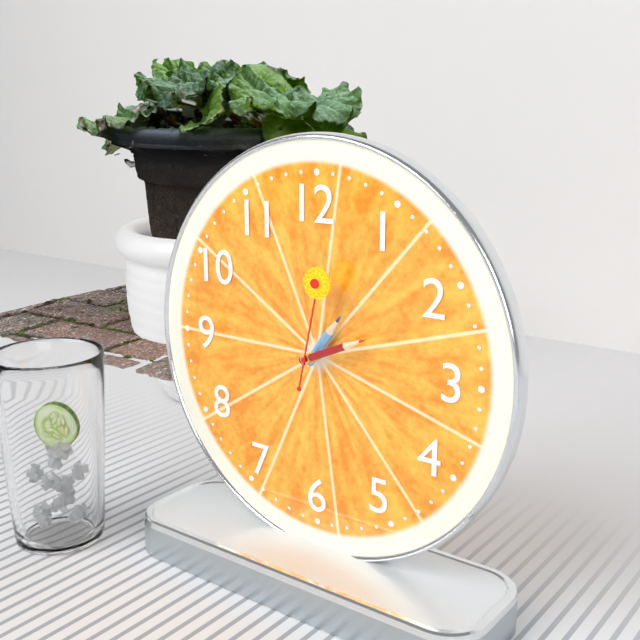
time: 1:11:02
